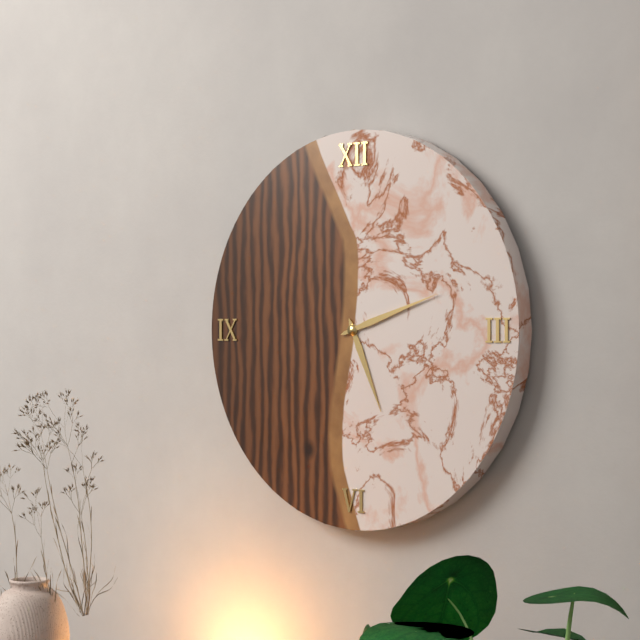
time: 5:12
